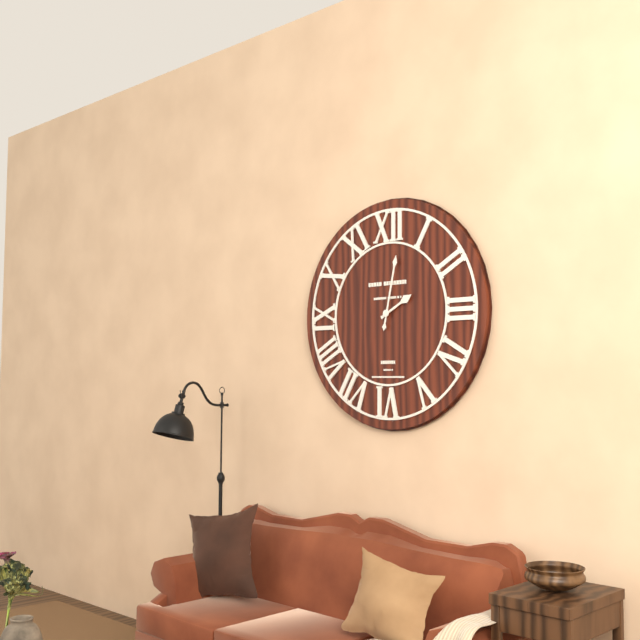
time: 2:02
